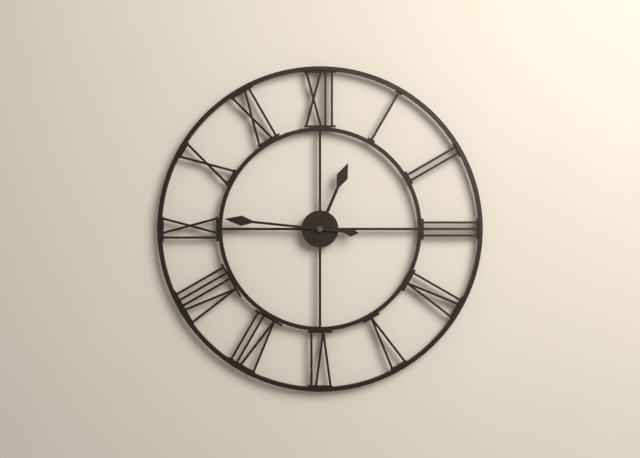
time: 12:46
